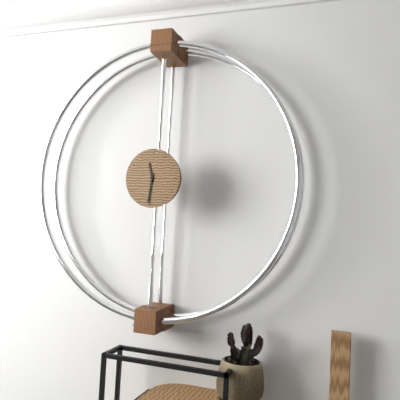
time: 11:31
